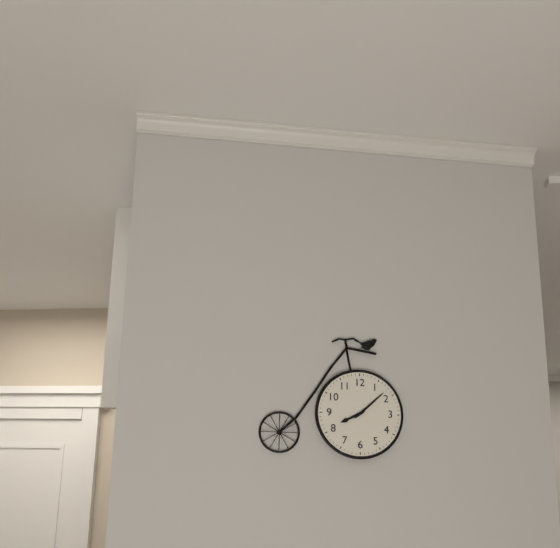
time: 8:08
